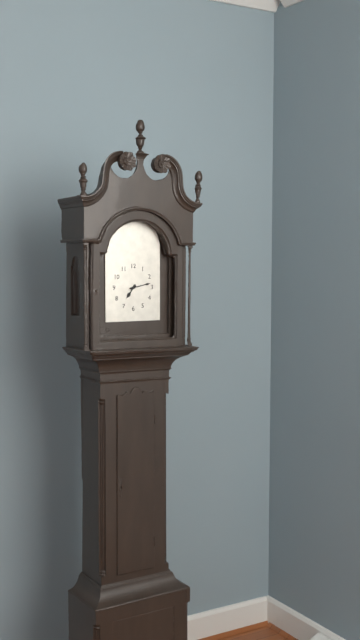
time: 7:13
